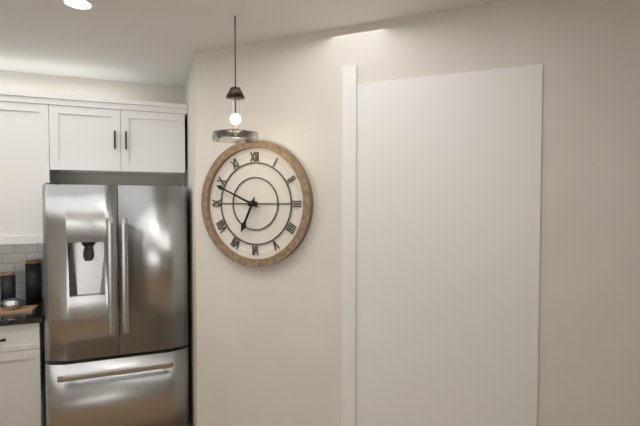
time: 6:49
